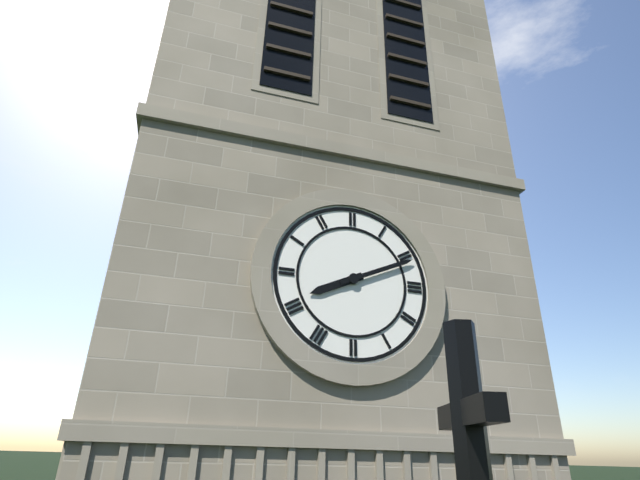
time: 8:11
